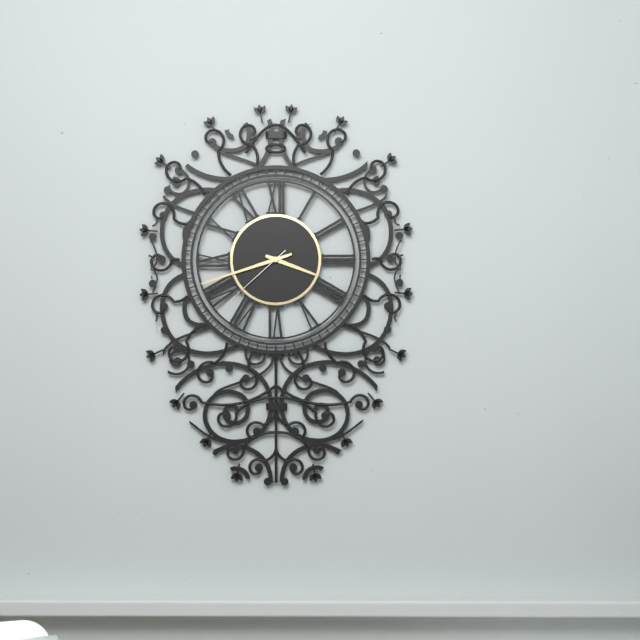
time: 3:42:38
